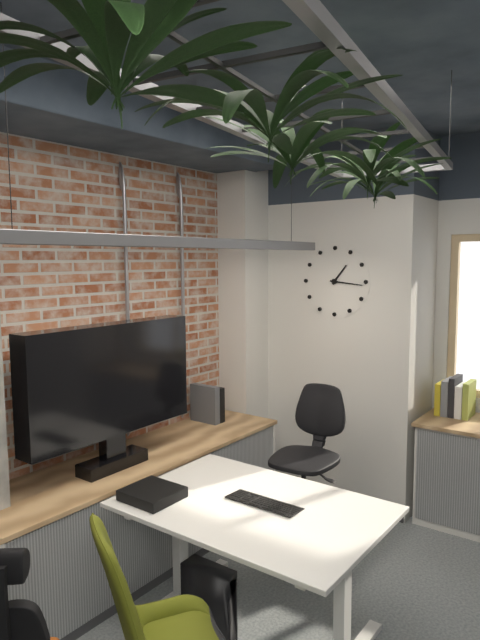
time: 1:16
